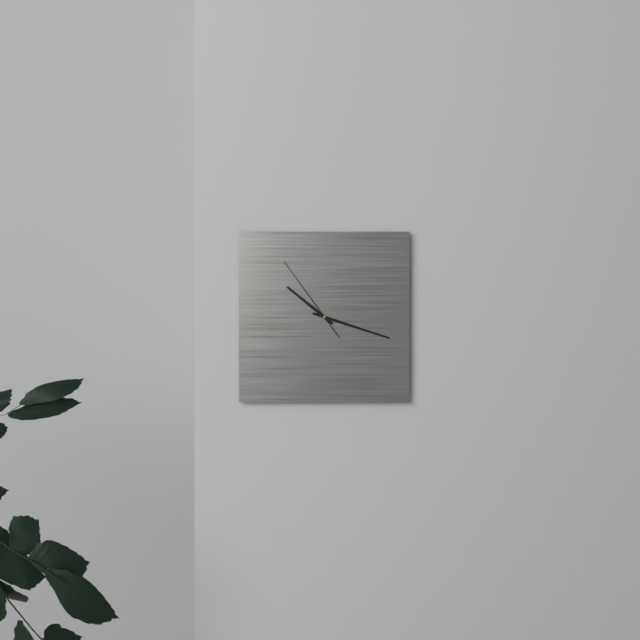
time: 10:18:54
